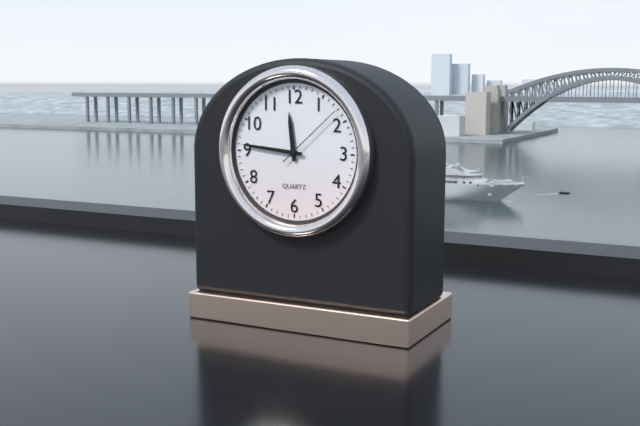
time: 11:46:08
